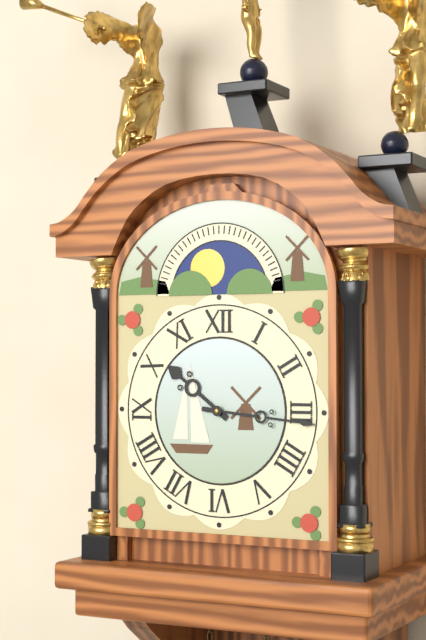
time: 10:16
